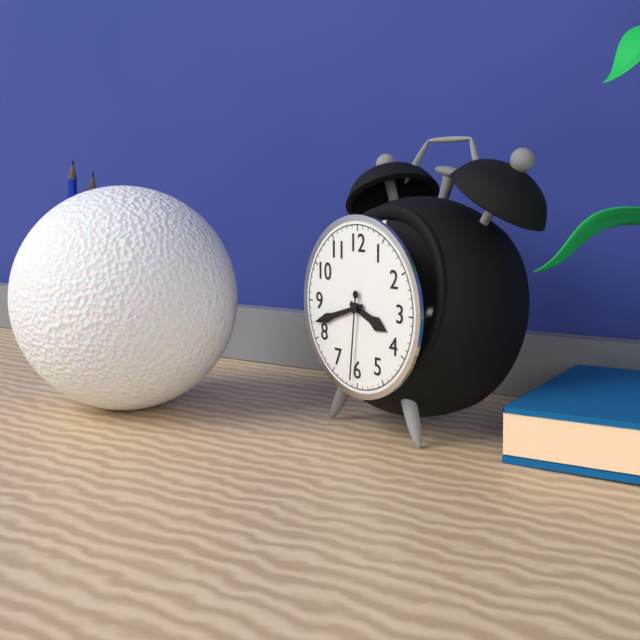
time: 3:42:31
